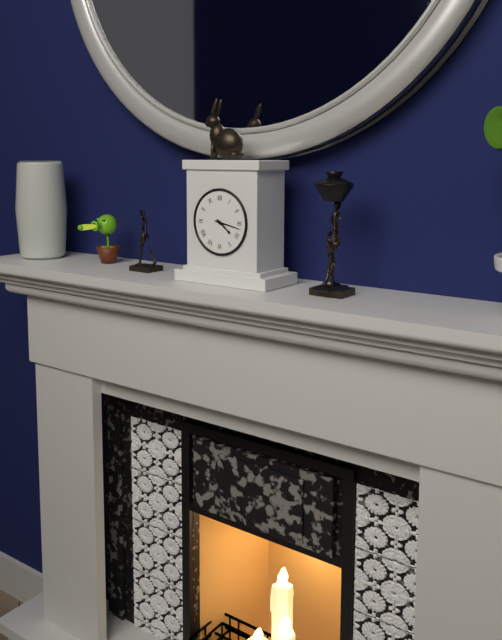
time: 4:17
